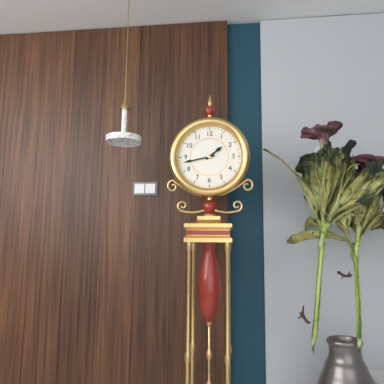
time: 1:43
